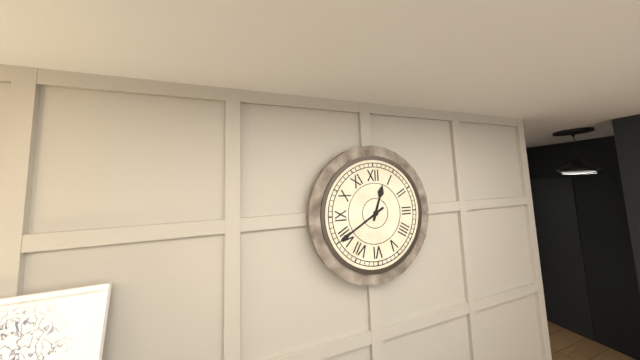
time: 12:40
